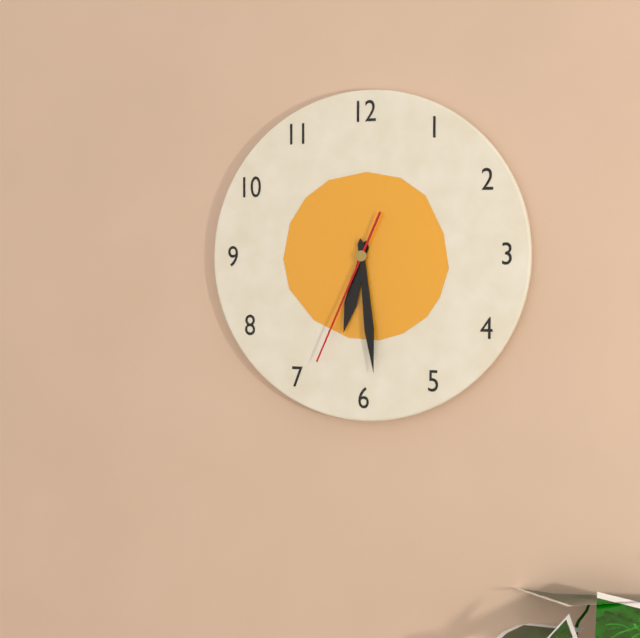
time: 6:29:34
